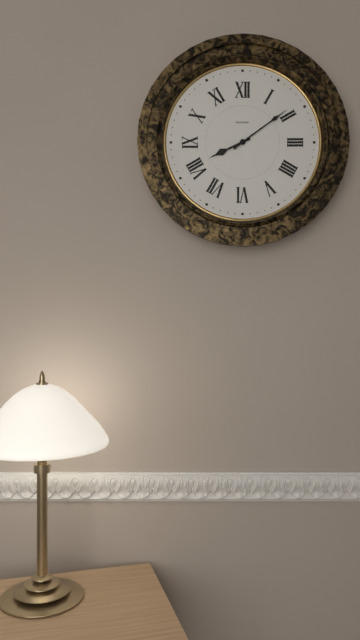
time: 8:09
